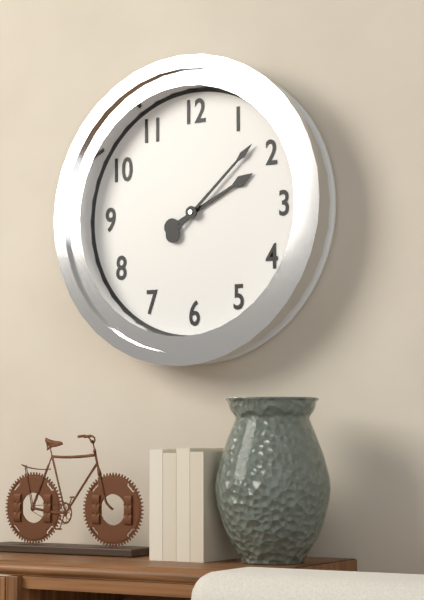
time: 2:08
